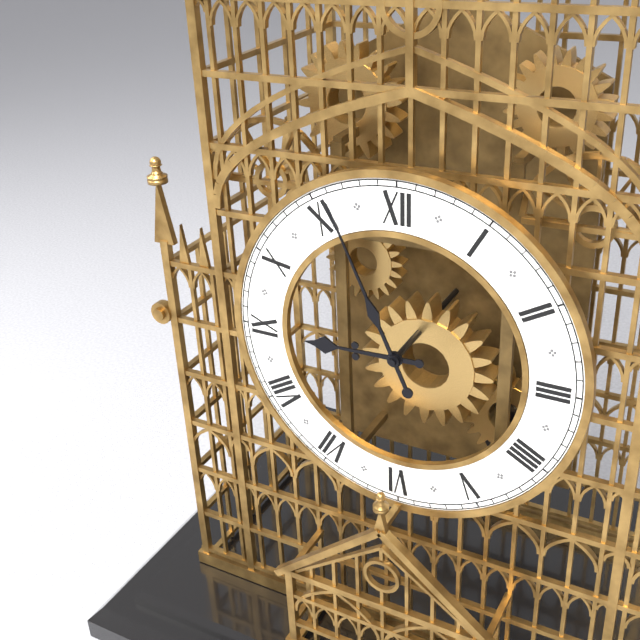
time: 8:56
